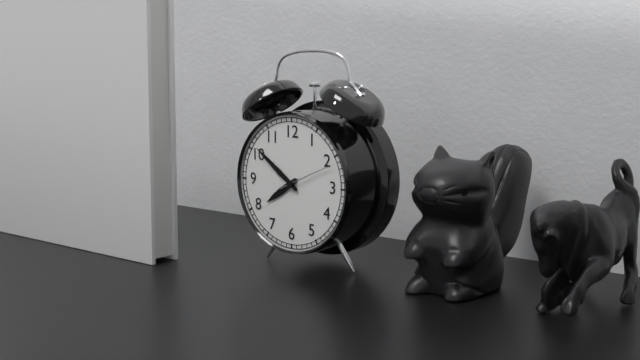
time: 7:51:11
